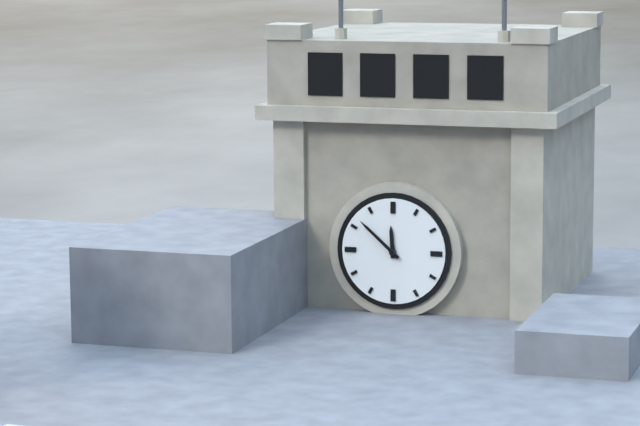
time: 11:52
